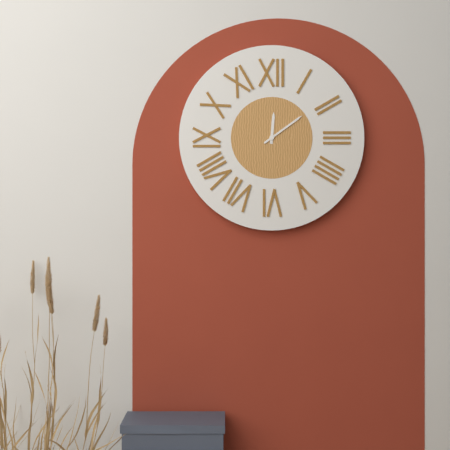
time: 12:09
